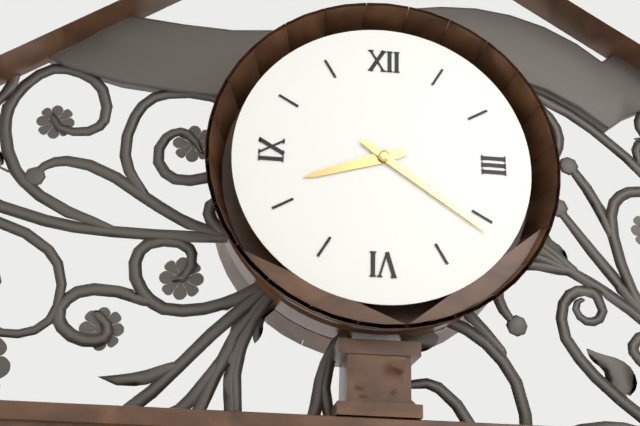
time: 8:21
